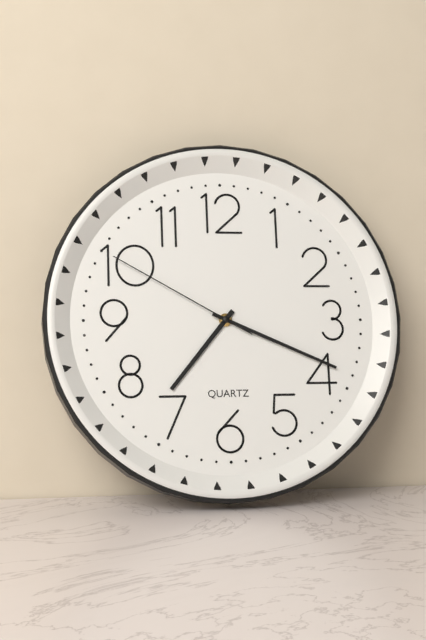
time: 7:19:50
